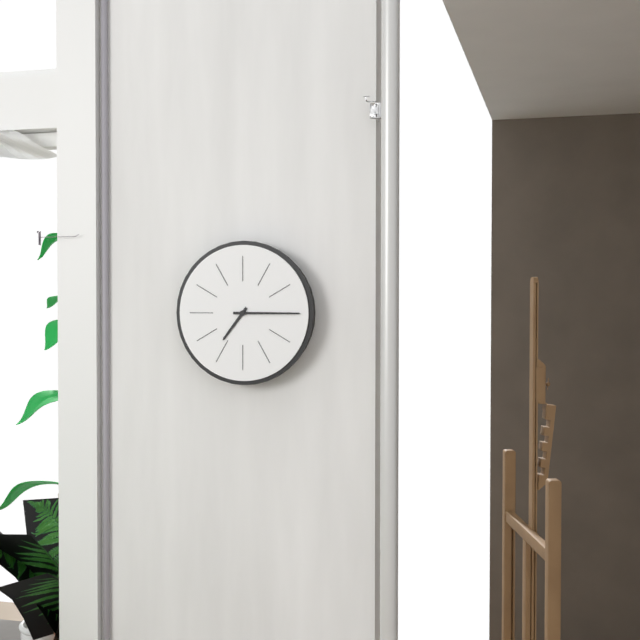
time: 7:15
